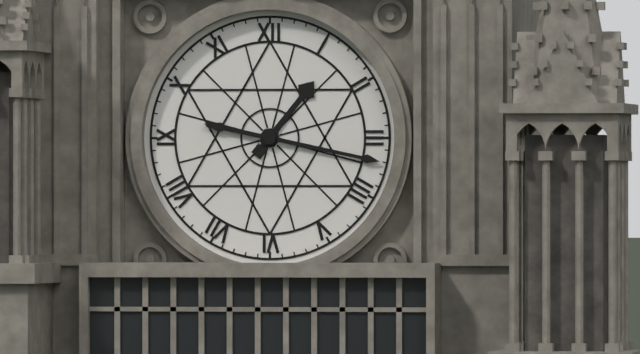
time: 1:17
